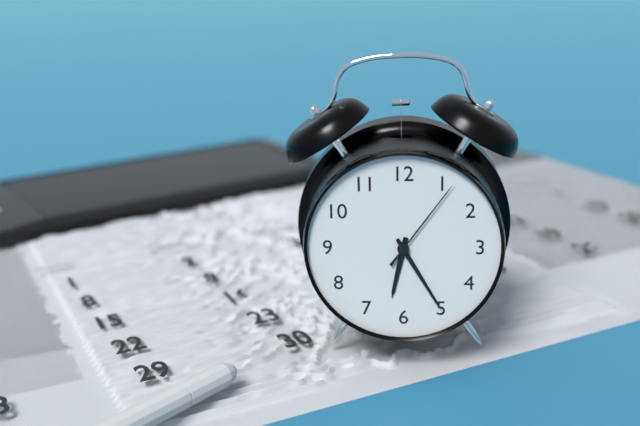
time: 6:25:06
